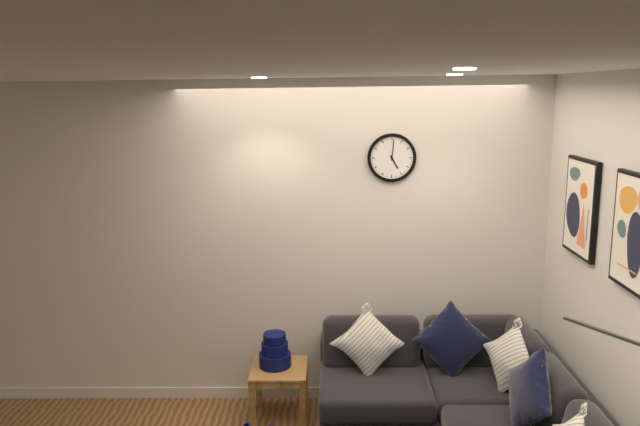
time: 5:01
